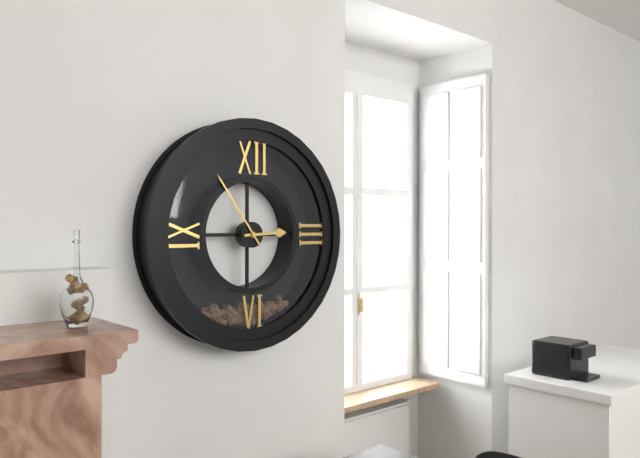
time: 2:54
